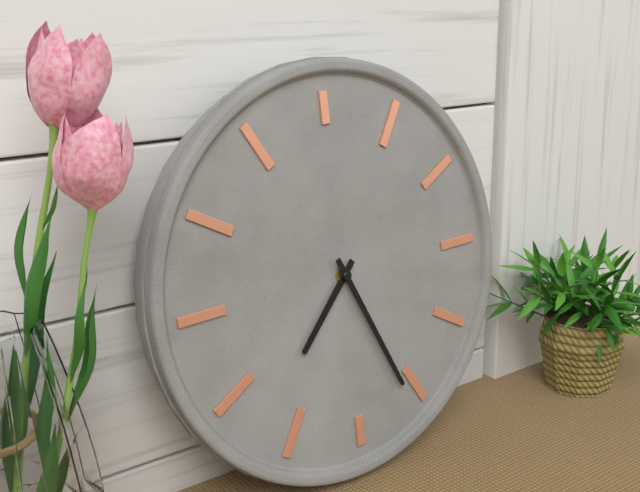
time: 7:26
